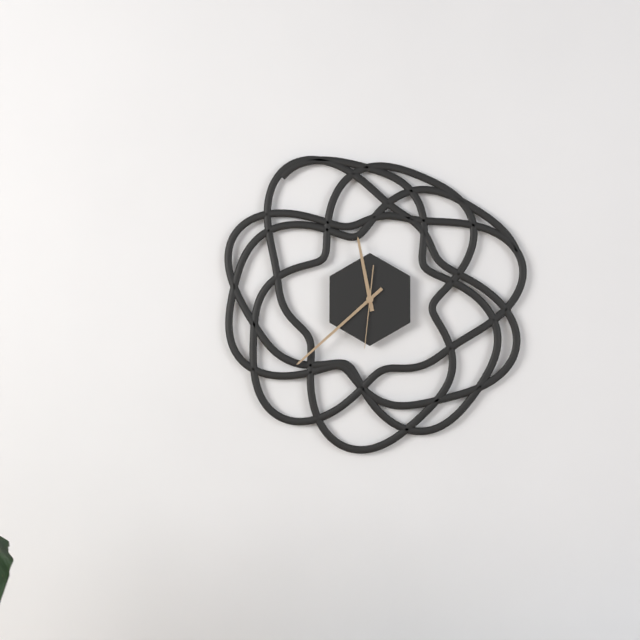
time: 11:38:31
